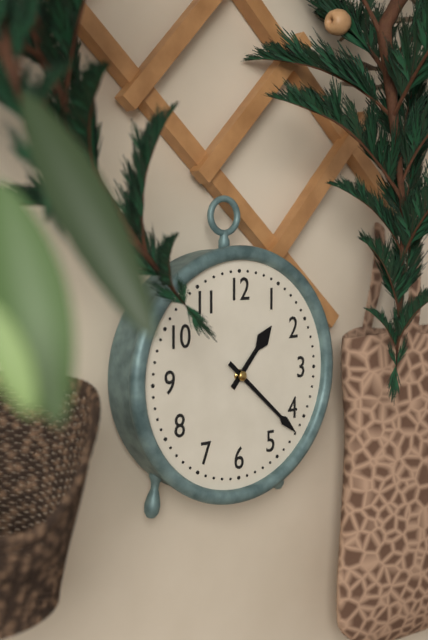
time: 1:22
